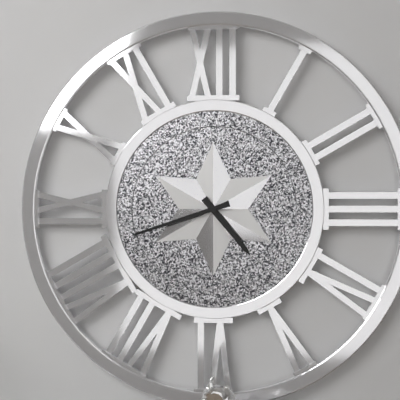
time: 4:42
